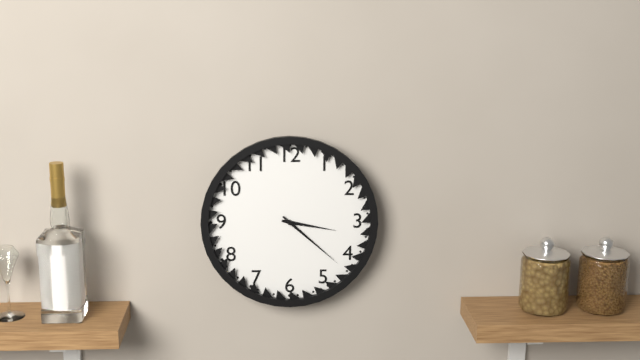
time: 3:22
